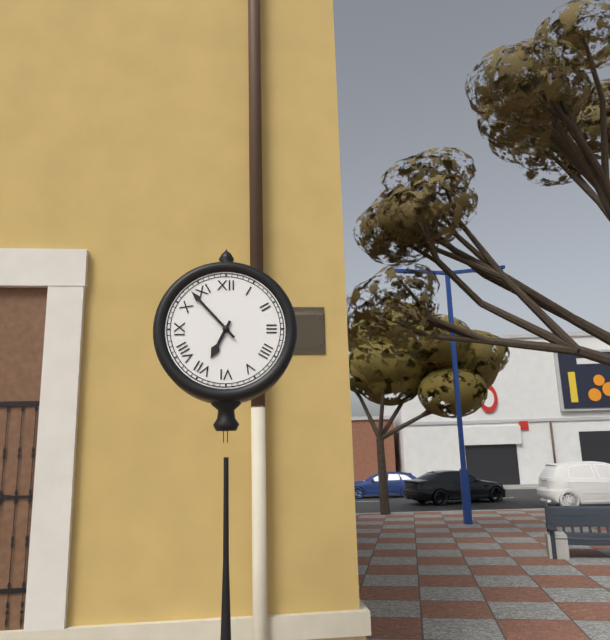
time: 6:53
